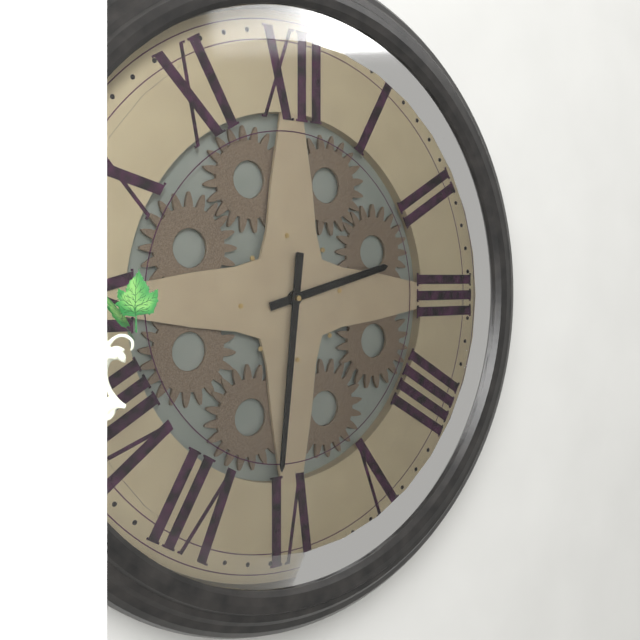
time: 2:31
